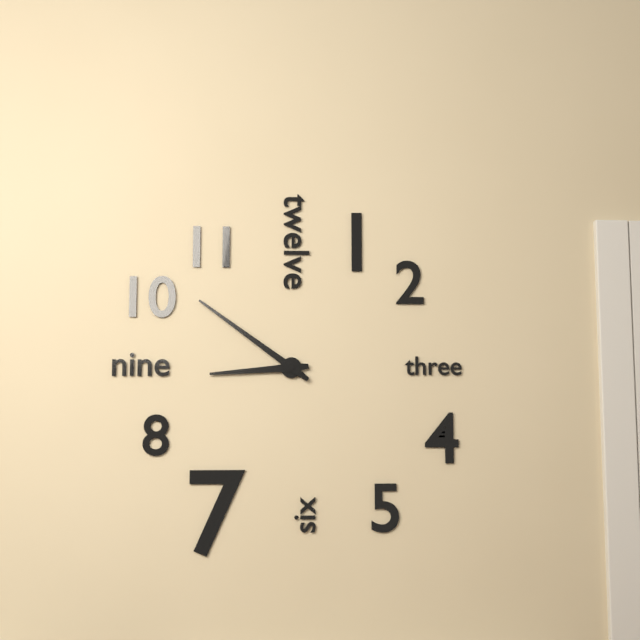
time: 8:51
